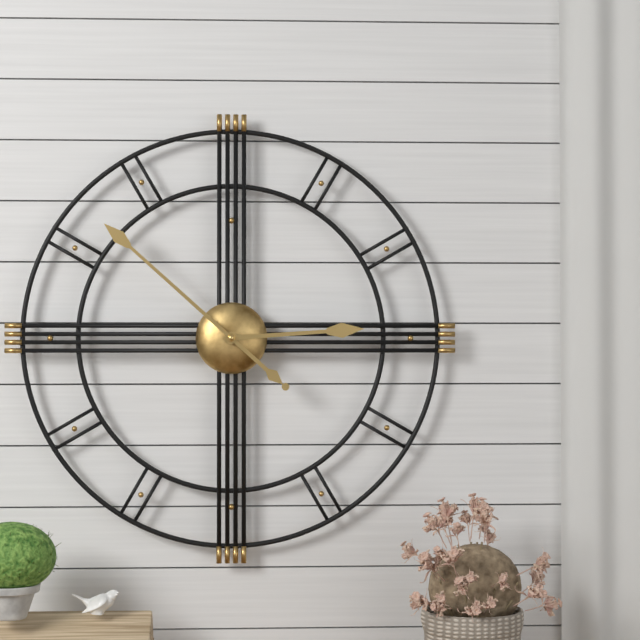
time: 2:52
